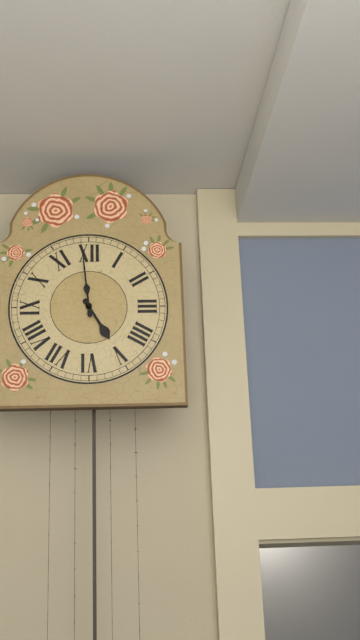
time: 4:59
